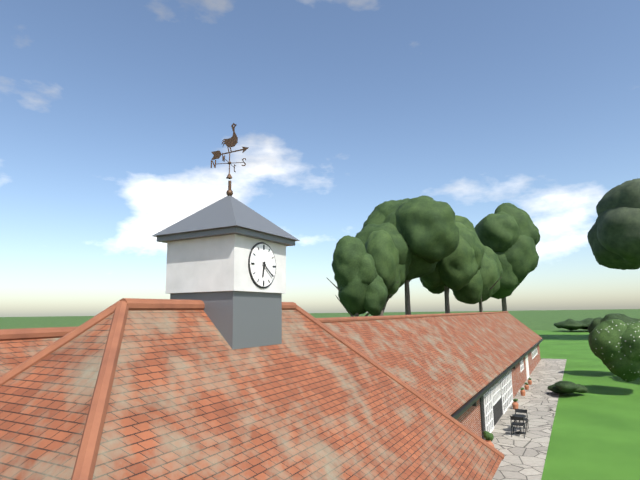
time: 6:21
